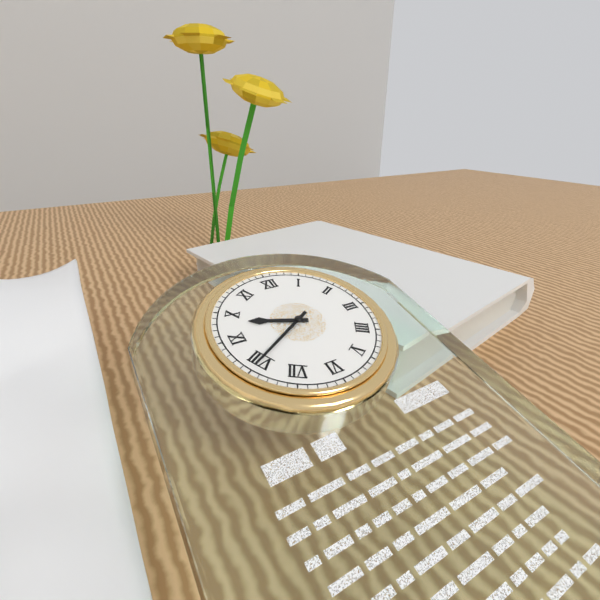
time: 9:40
